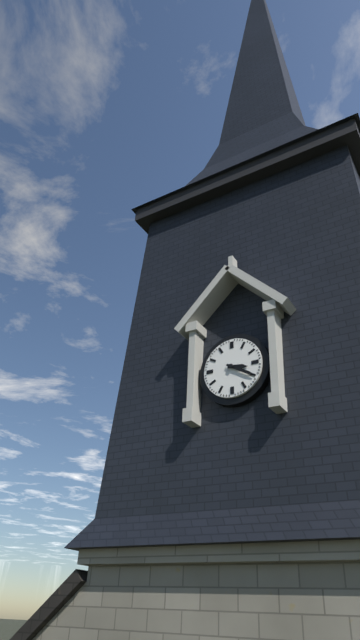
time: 3:20
